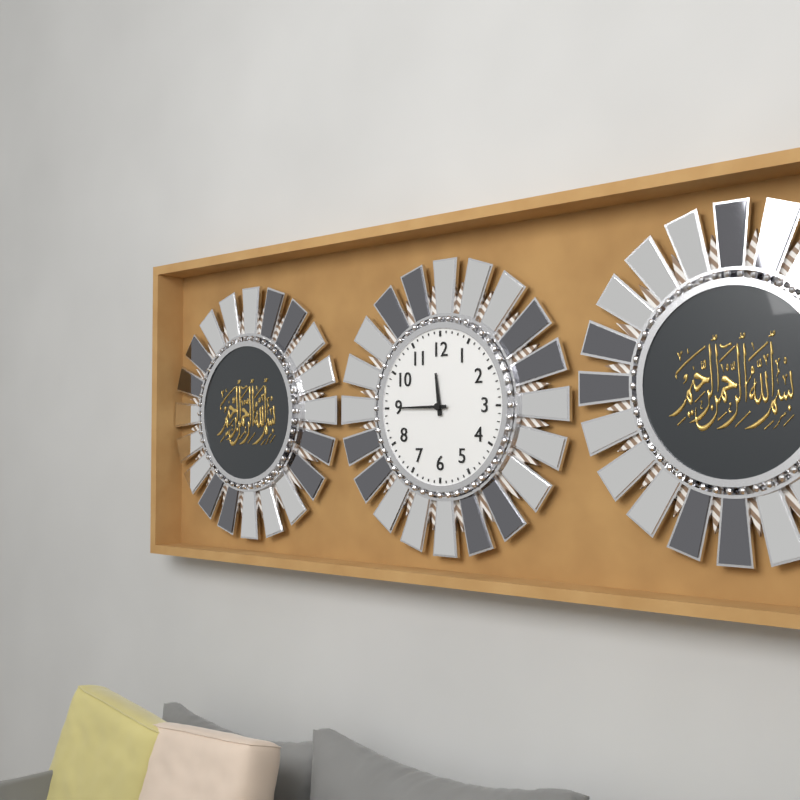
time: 11:45
